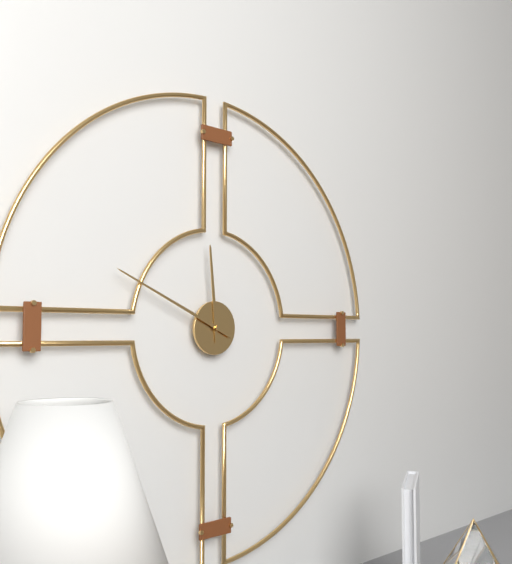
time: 11:49
